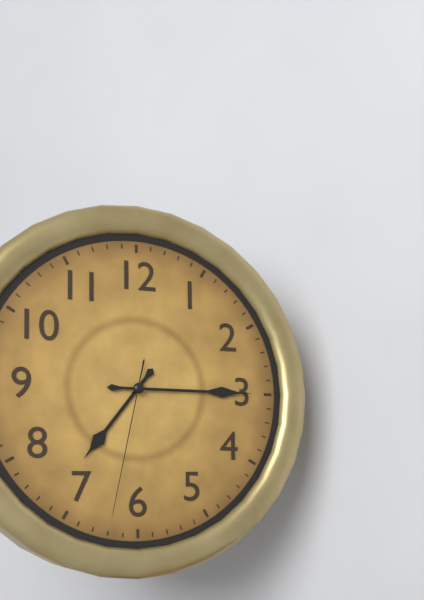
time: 7:15:32
